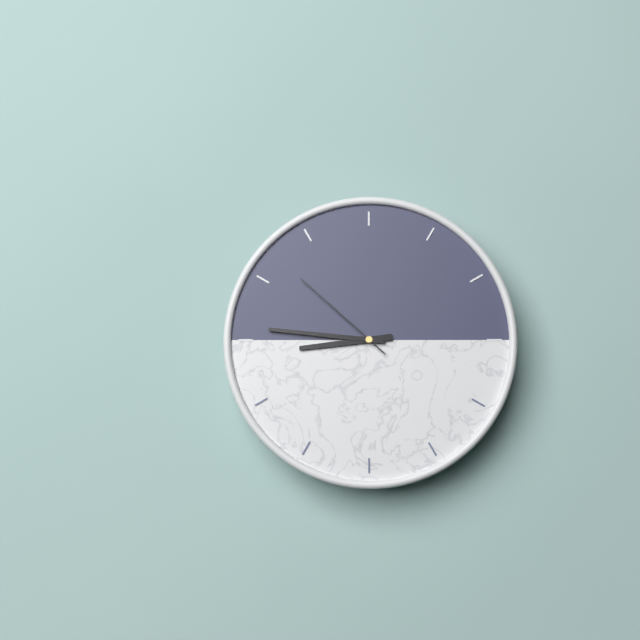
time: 8:46:52
